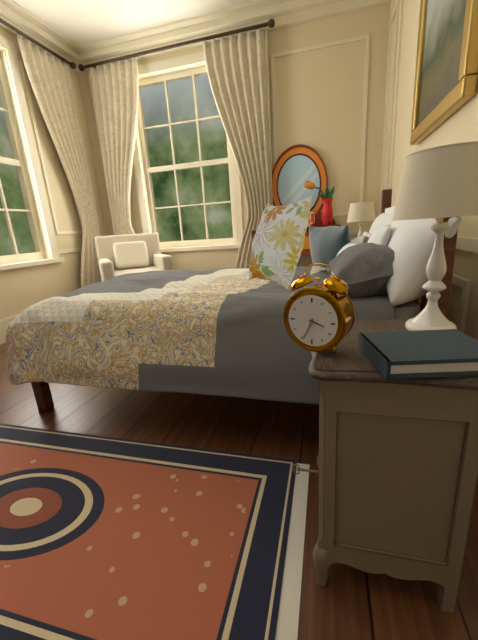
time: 3:34
